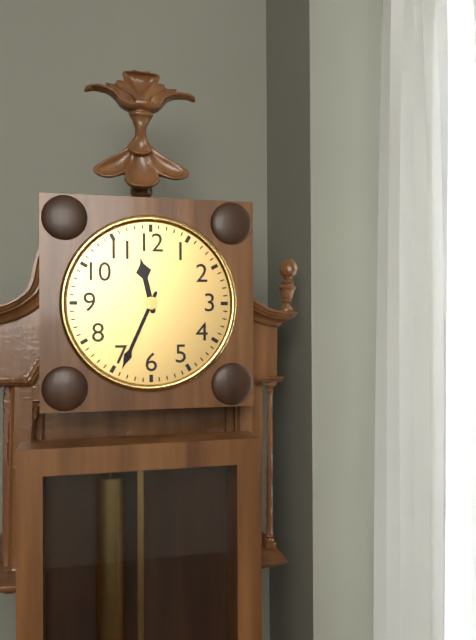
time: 11:34
